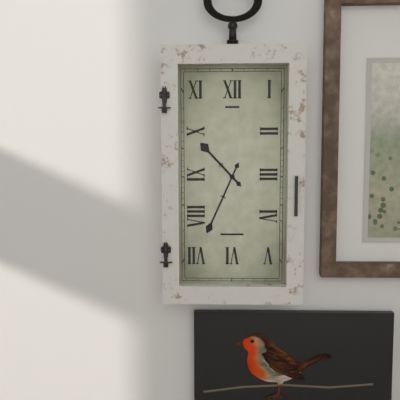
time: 10:34
